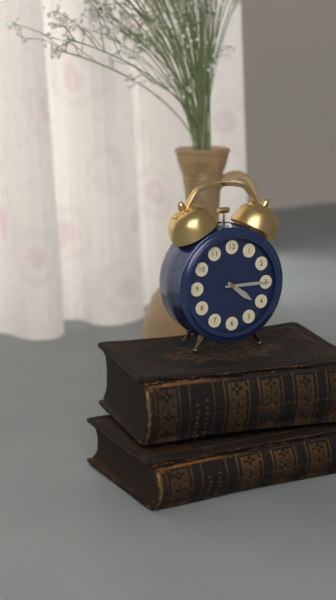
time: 4:15
